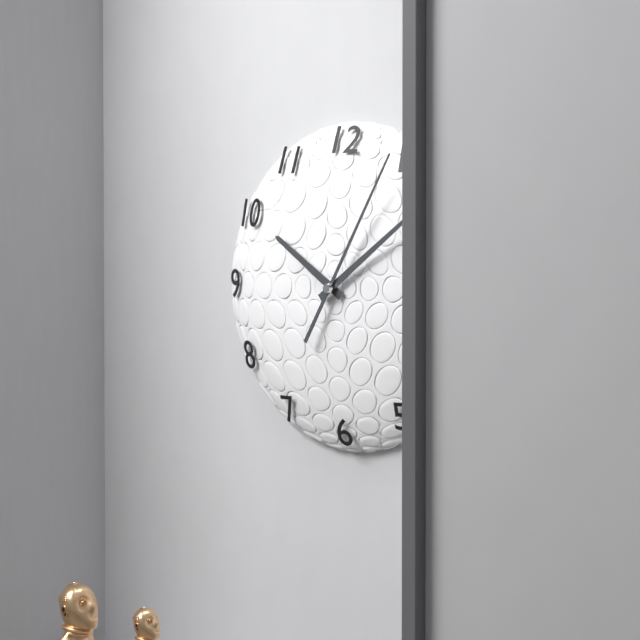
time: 10:09:05
